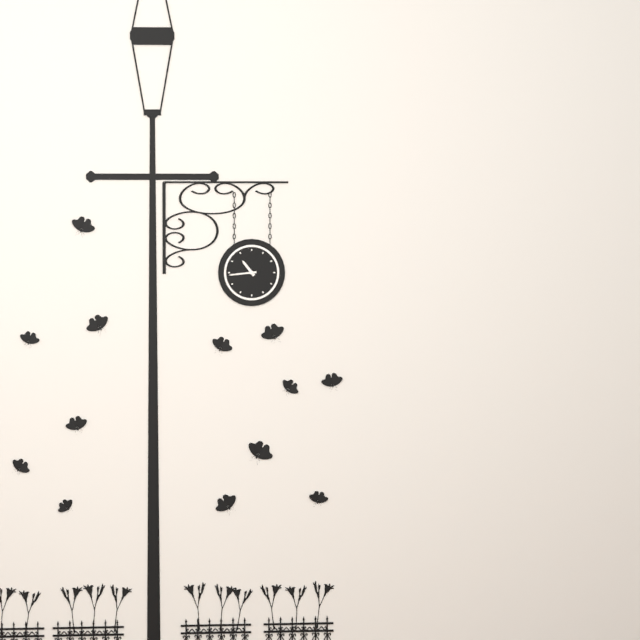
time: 10:44
